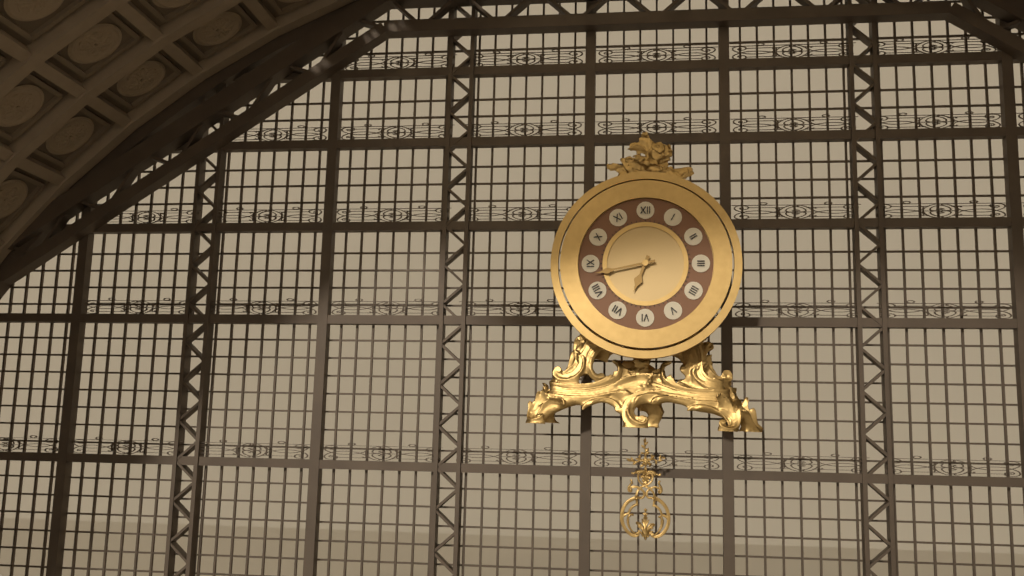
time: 6:43
